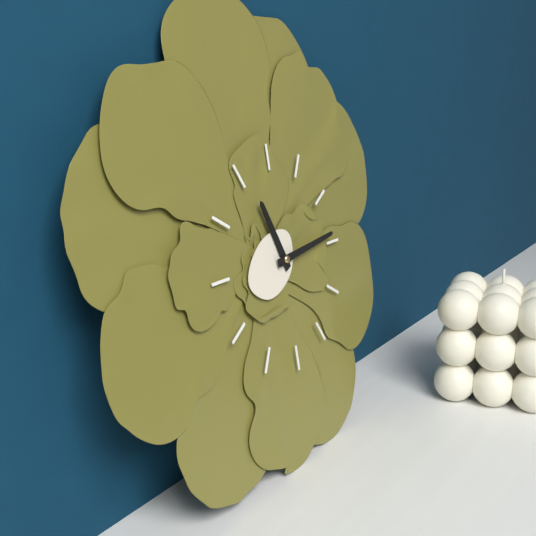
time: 11:14
